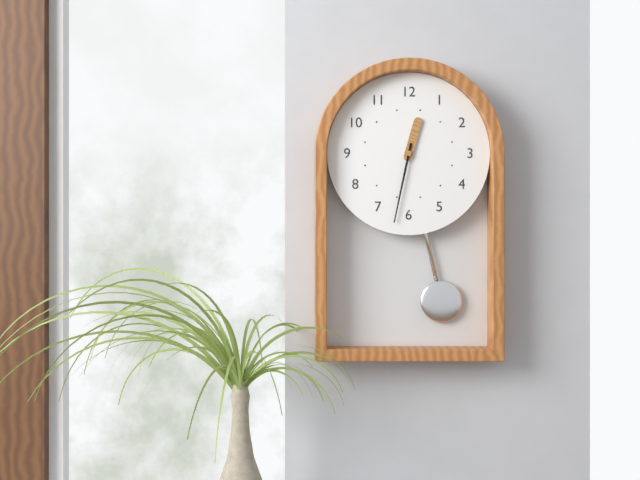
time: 12:32
